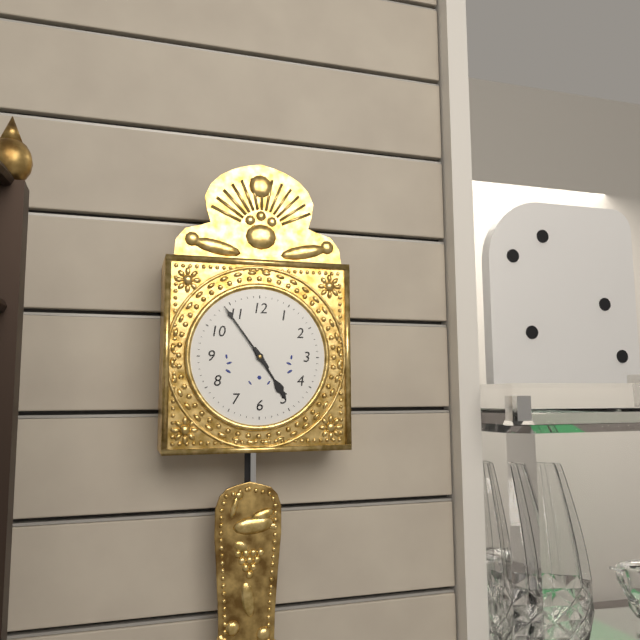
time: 4:54
